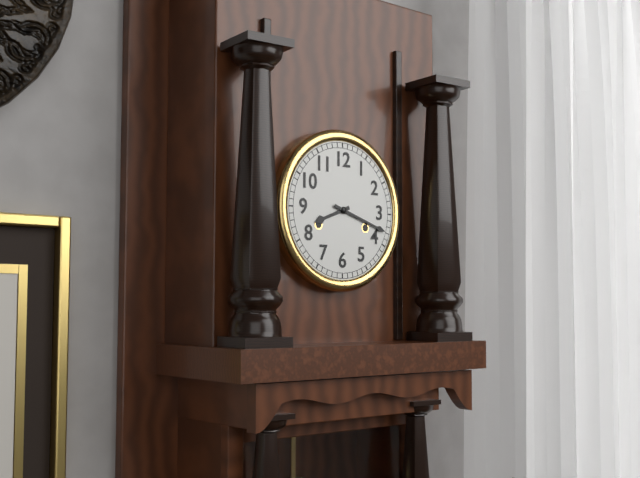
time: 8:18
